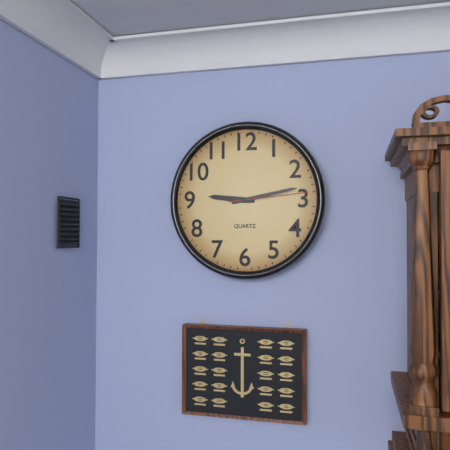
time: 9:13:14
